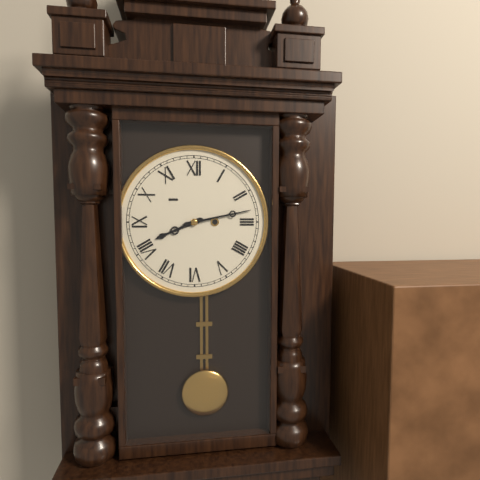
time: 8:13
